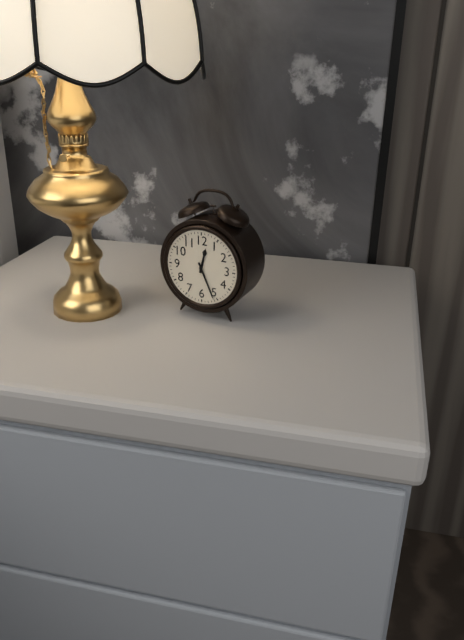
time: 12:26
